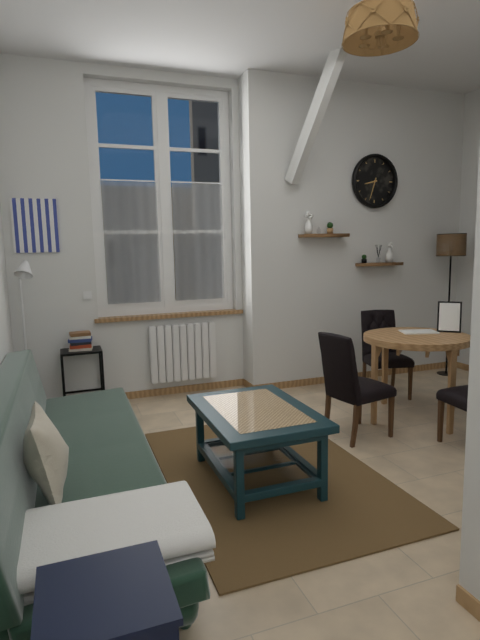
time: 8:33
